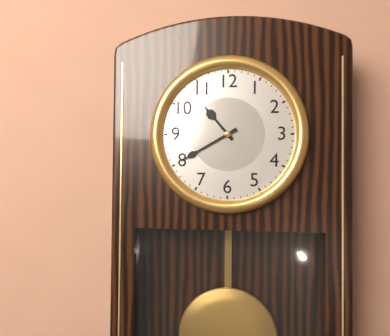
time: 10:40
